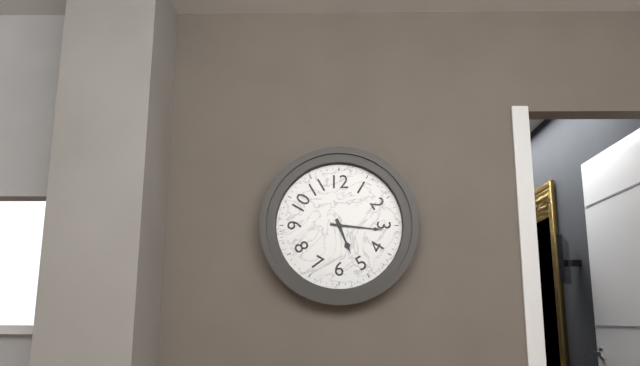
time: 5:16
